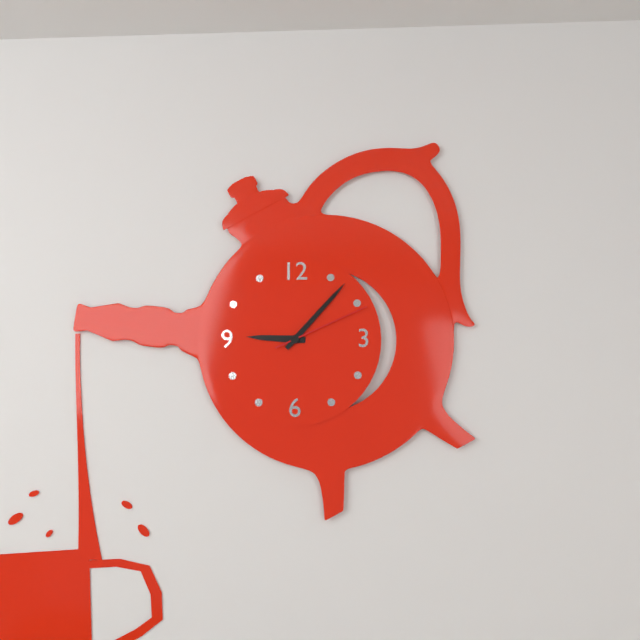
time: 9:07:11
